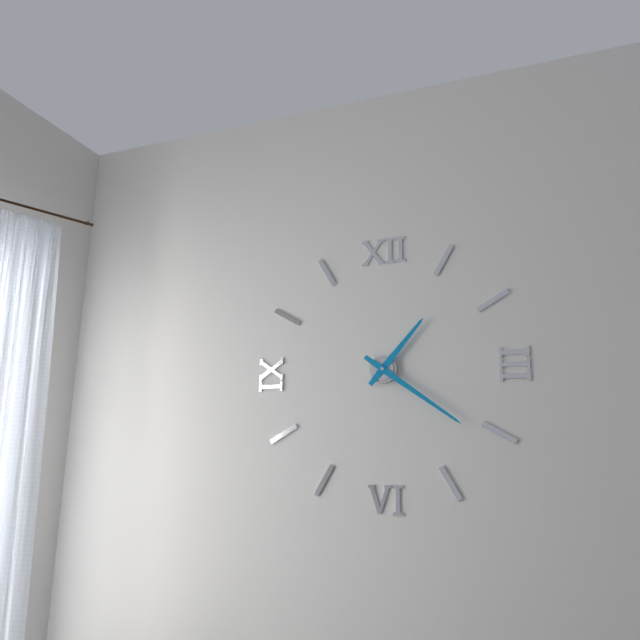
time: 1:21
